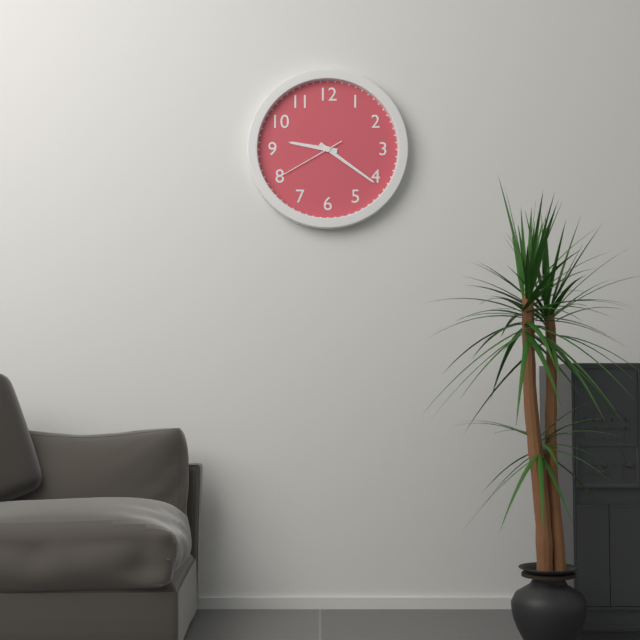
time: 9:21:40
